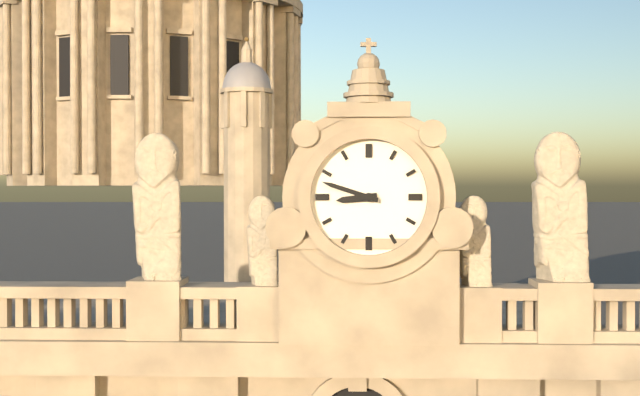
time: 8:48
